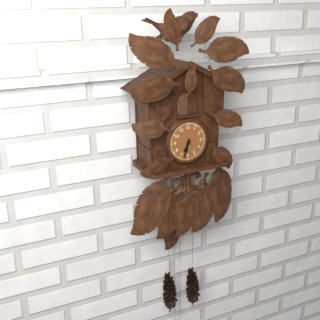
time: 6:33
